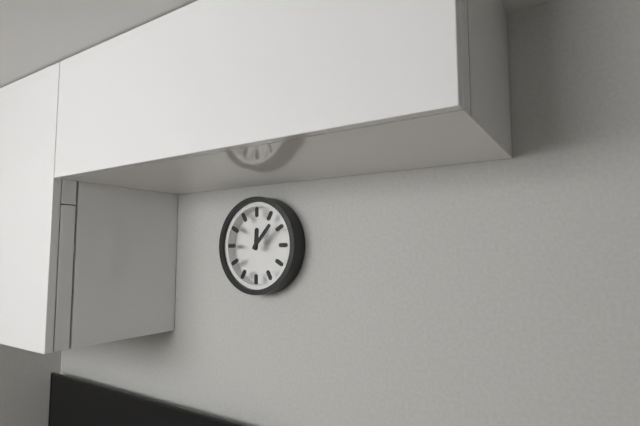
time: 12:07
